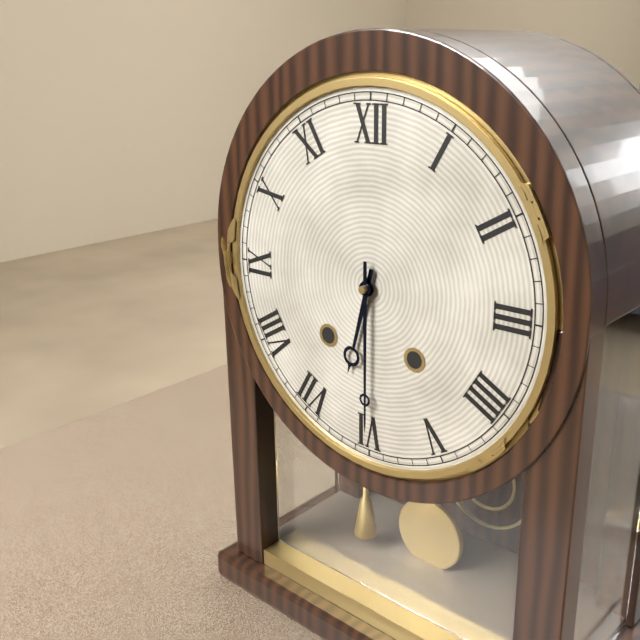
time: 6:30
